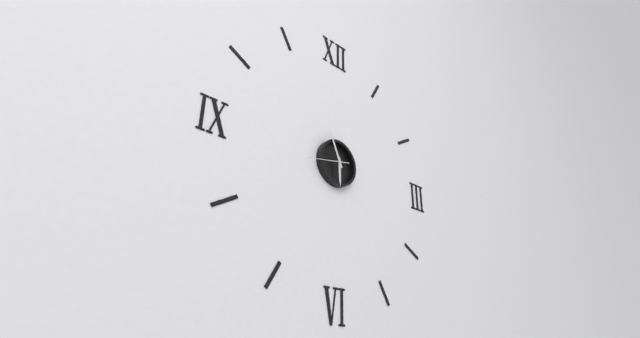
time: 5:56
